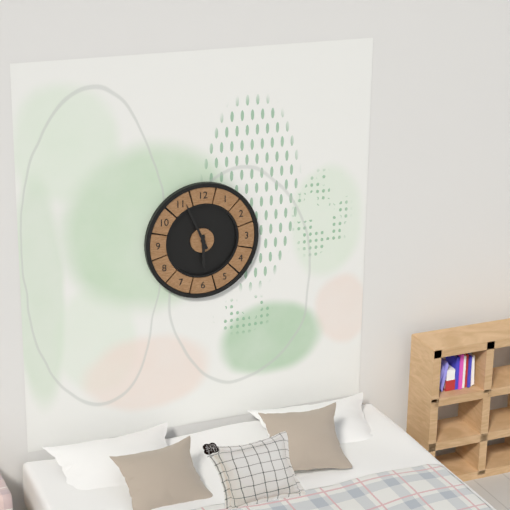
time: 5:56
